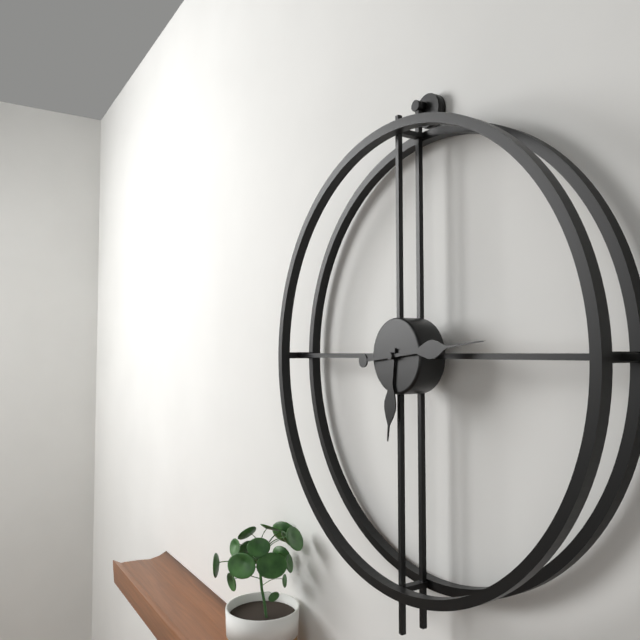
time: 6:14
